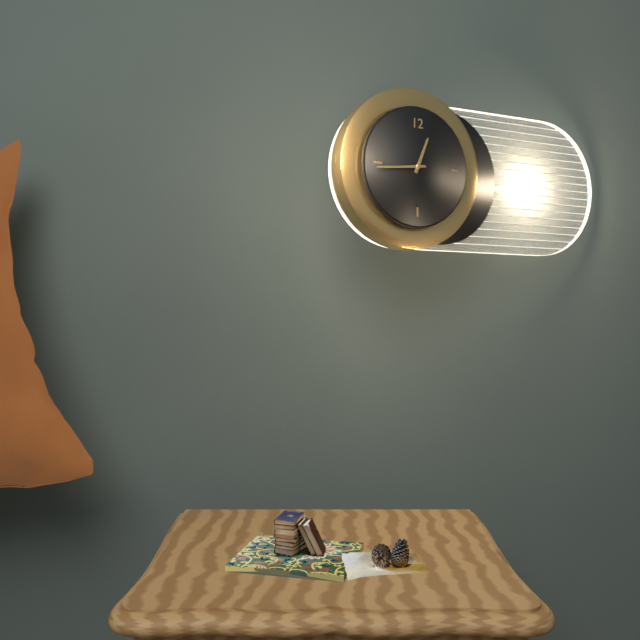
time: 12:44
